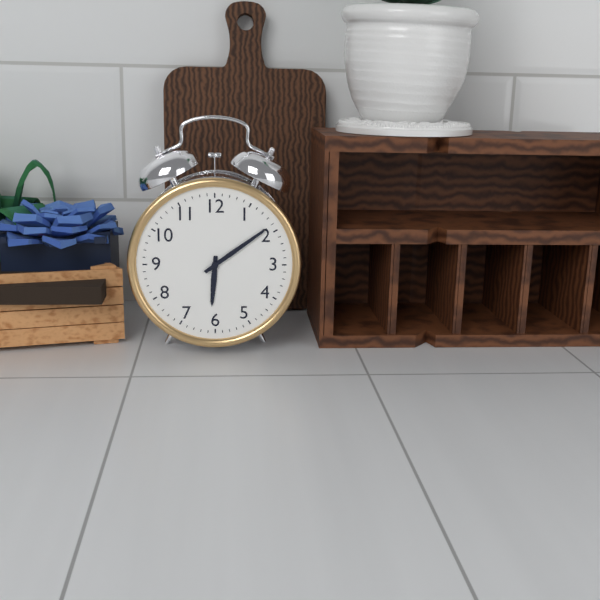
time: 6:09
